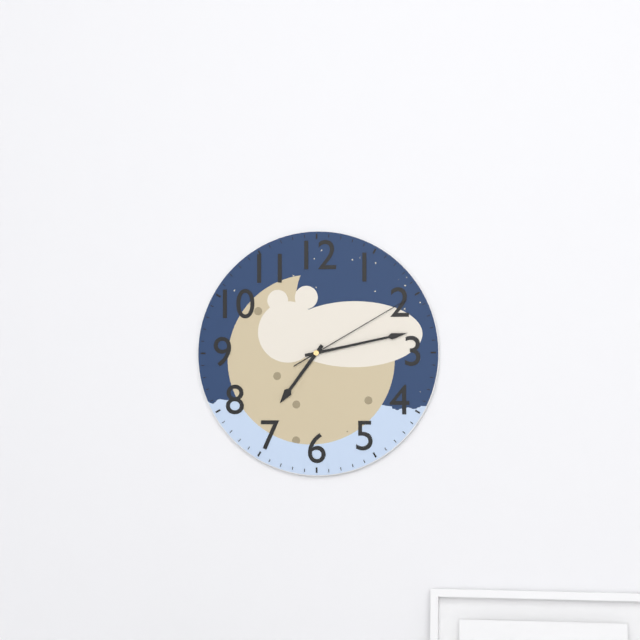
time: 7:13:10
